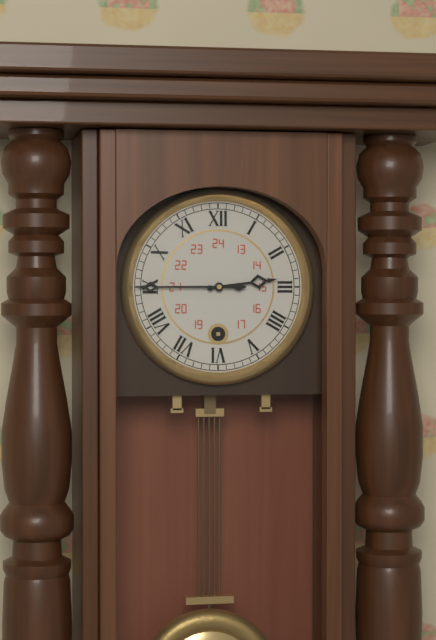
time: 2:45
